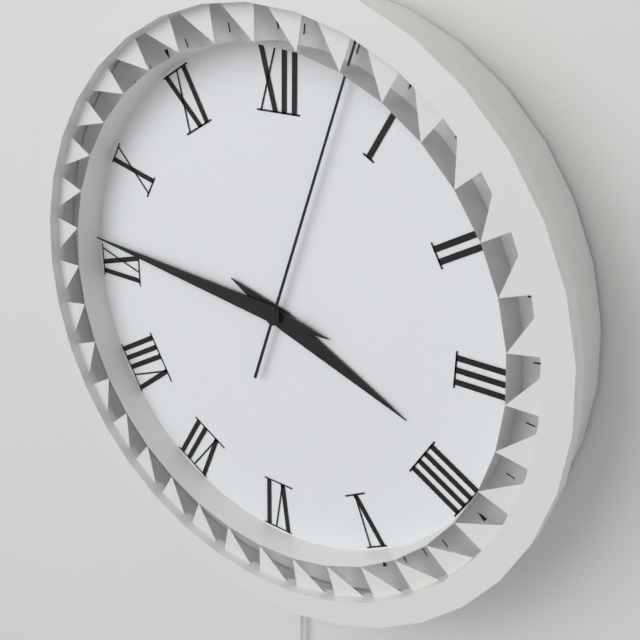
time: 3:46:03
